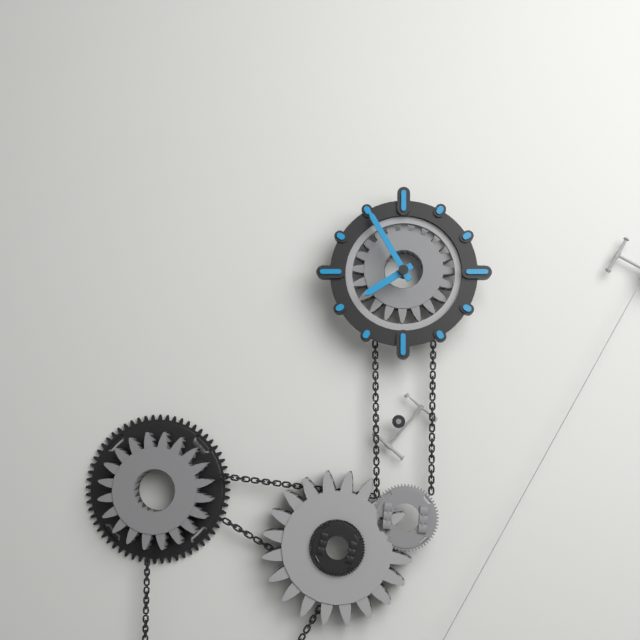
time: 7:55
